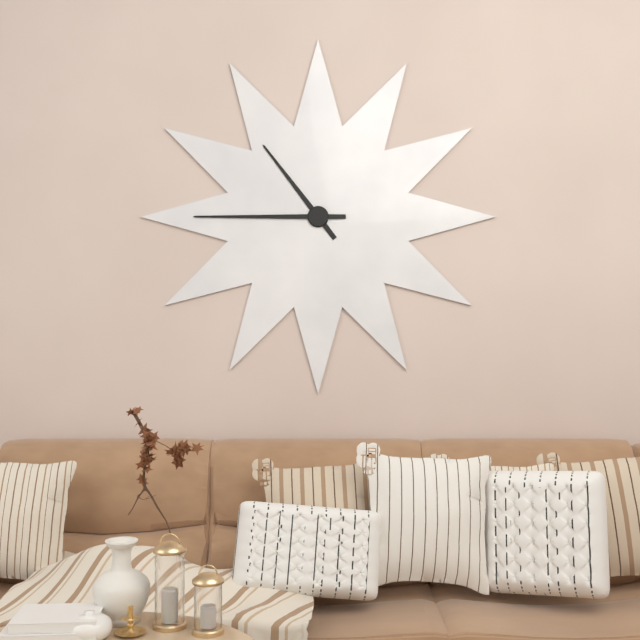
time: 10:45
